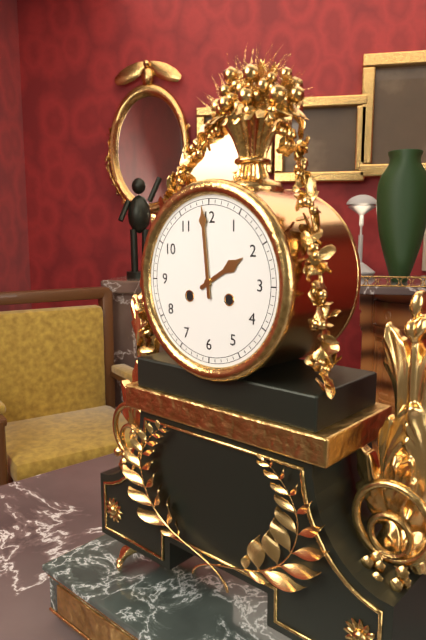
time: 1:59
